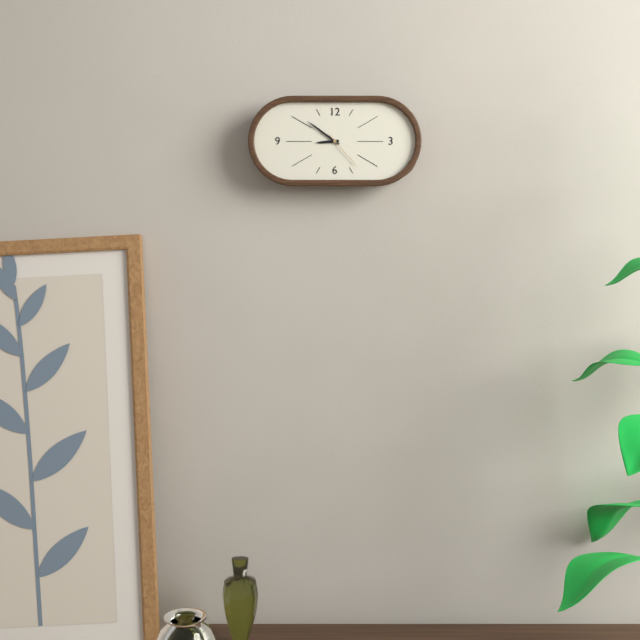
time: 8:51
